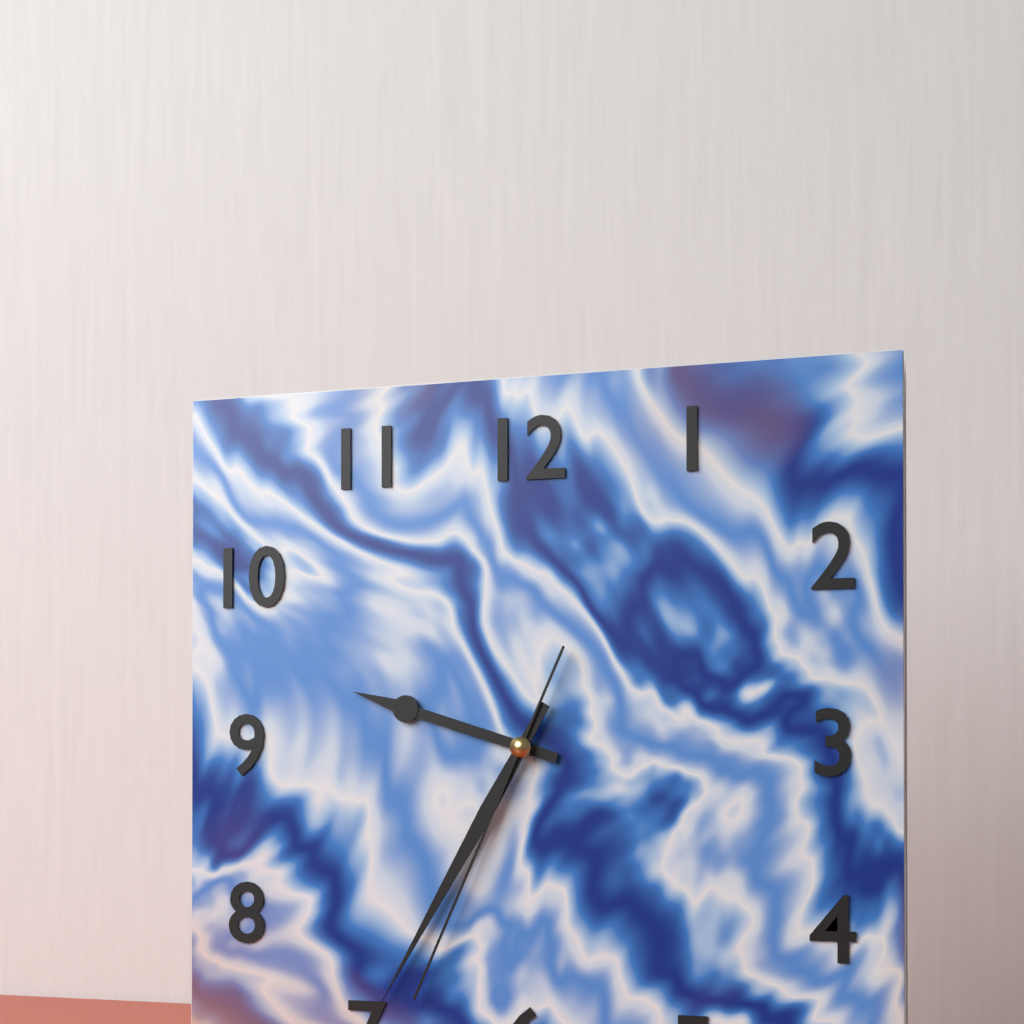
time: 9:35:34
